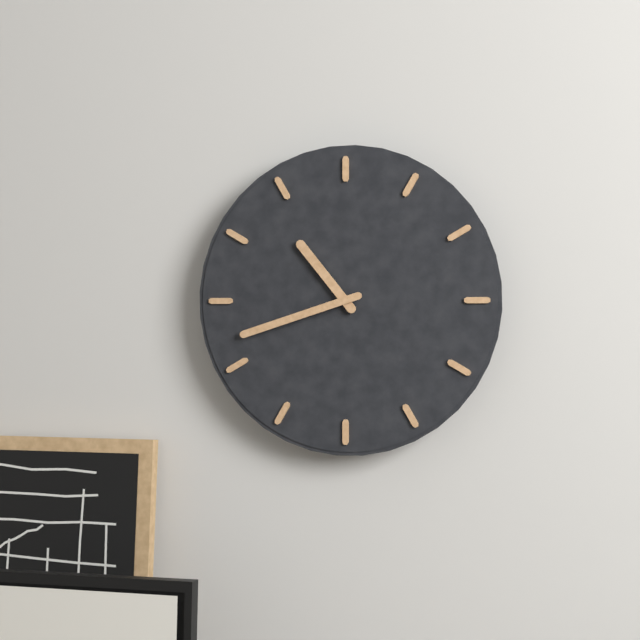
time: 10:42
